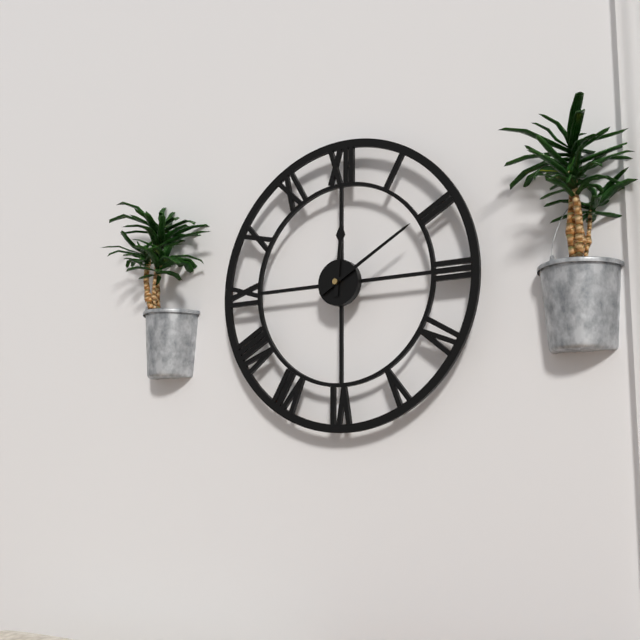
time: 12:10
